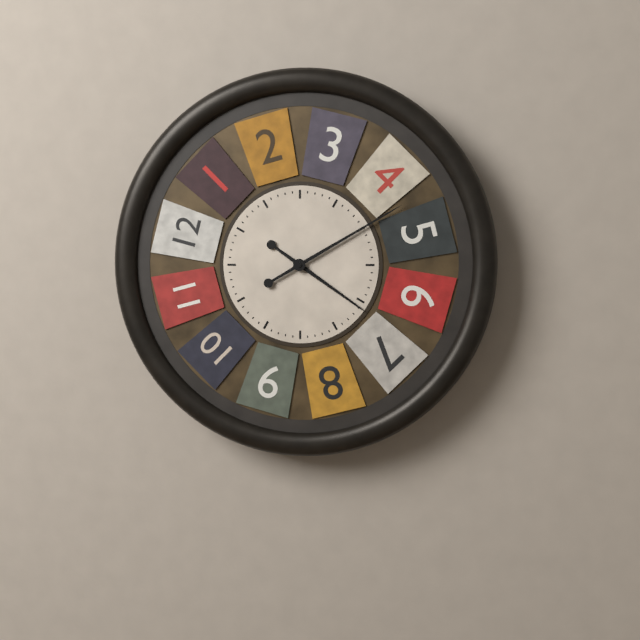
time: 4:10
